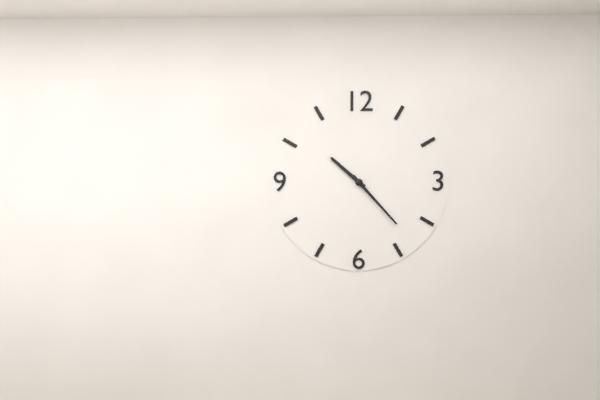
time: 10:23
